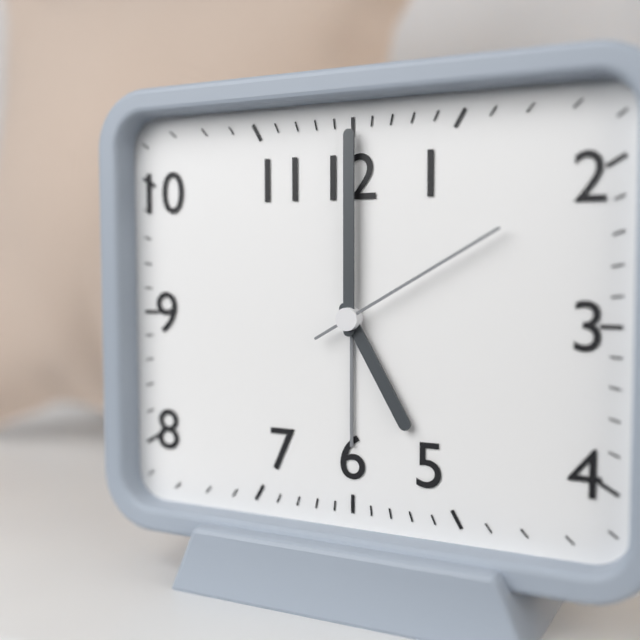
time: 5:00:10
